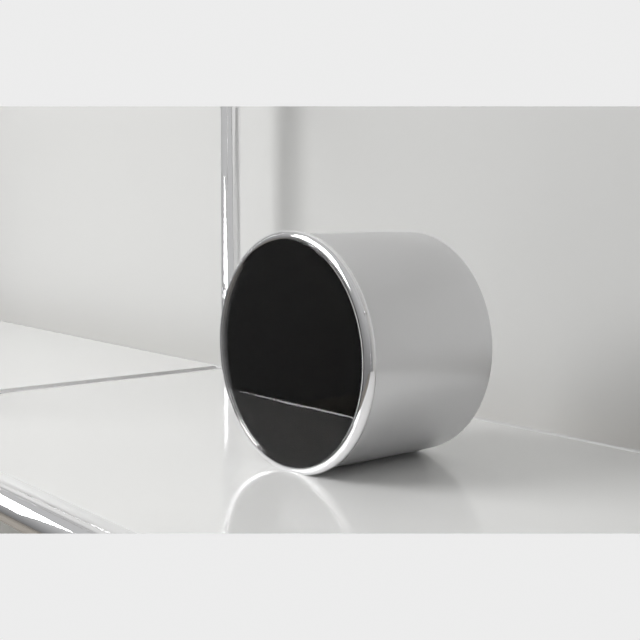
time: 8:56:41
